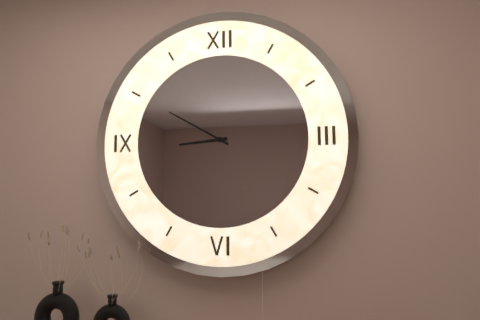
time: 8:50
